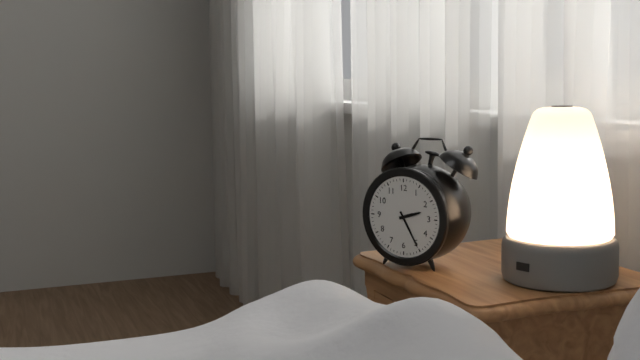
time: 2:25
